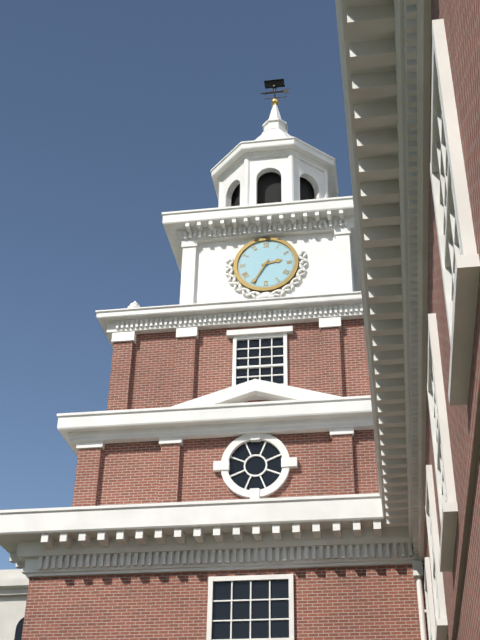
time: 2:35
